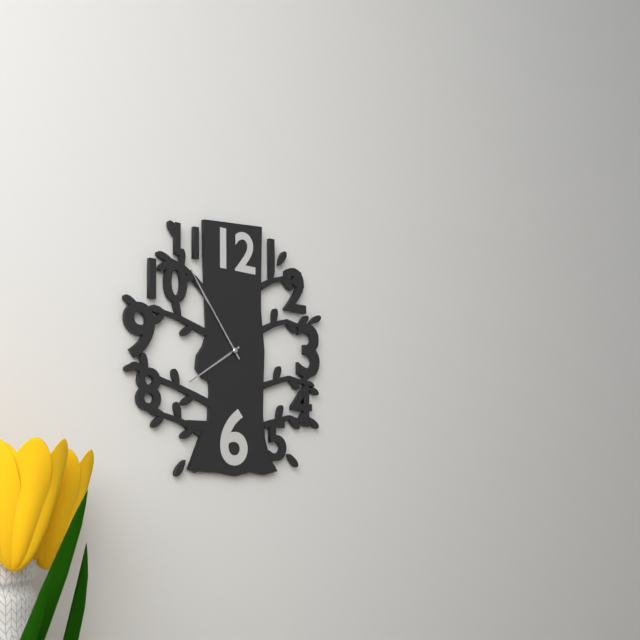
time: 7:54
